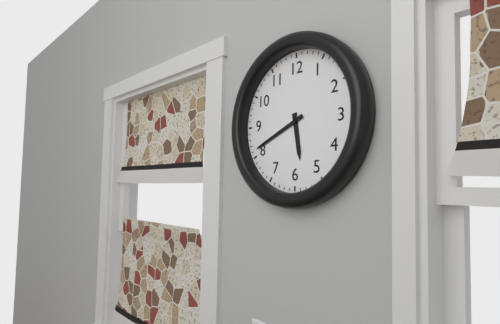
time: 5:41
